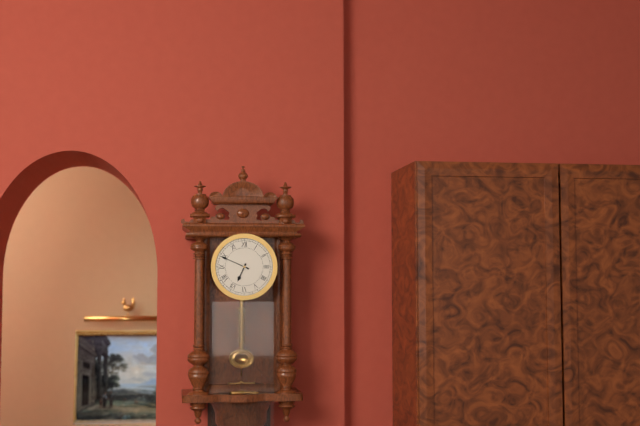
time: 6:49
